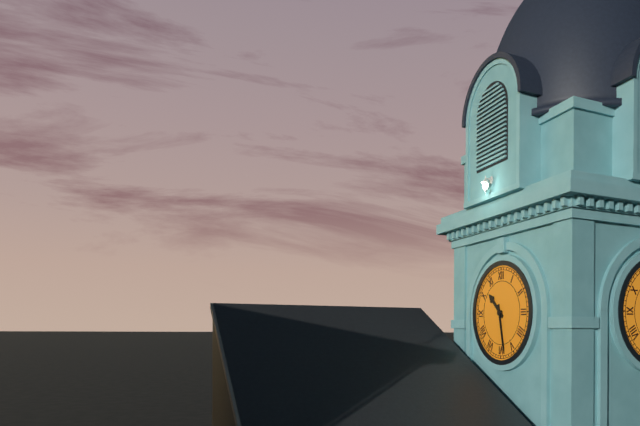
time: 10:28
